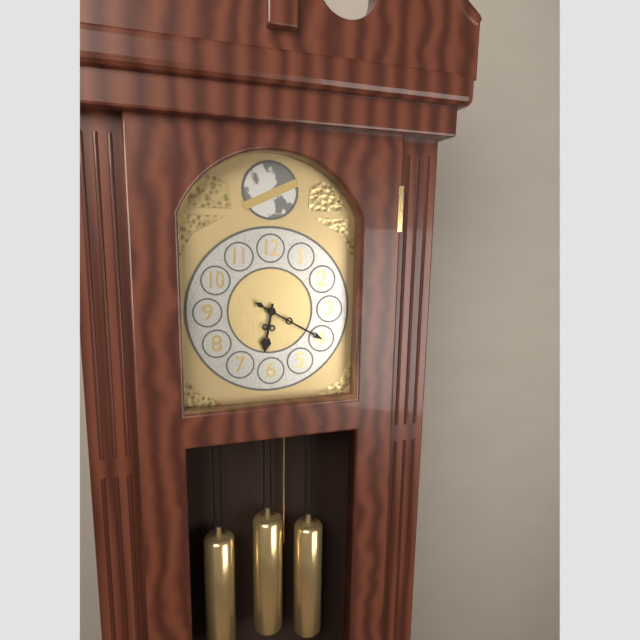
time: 6:20
